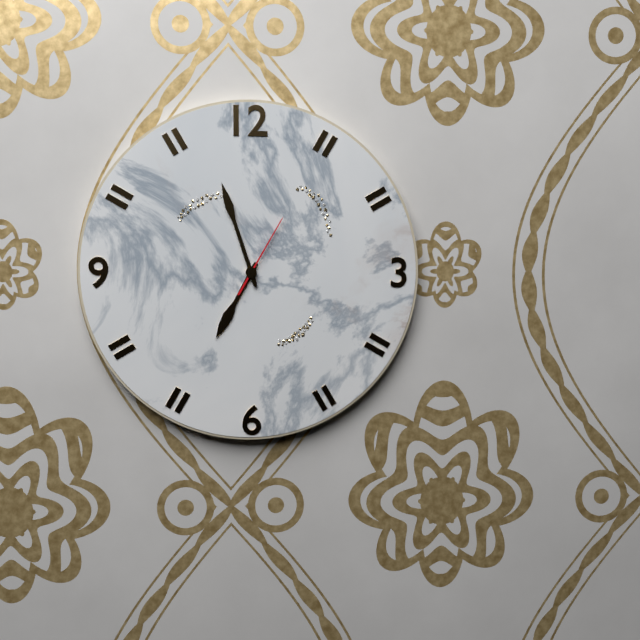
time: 6:57:05
